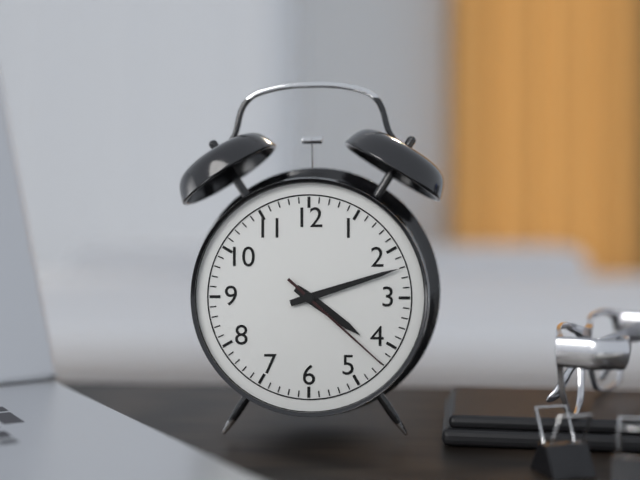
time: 4:12:22
